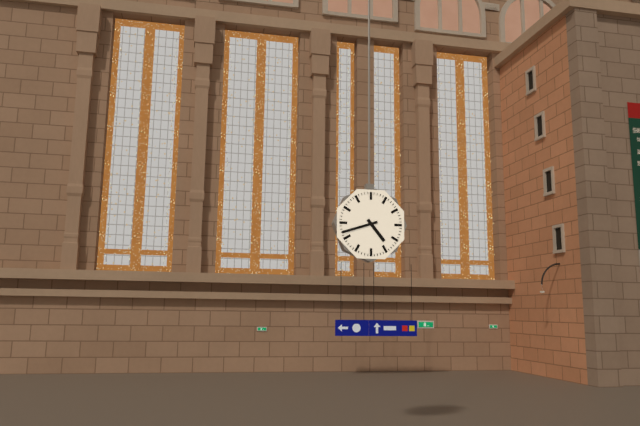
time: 4:42
